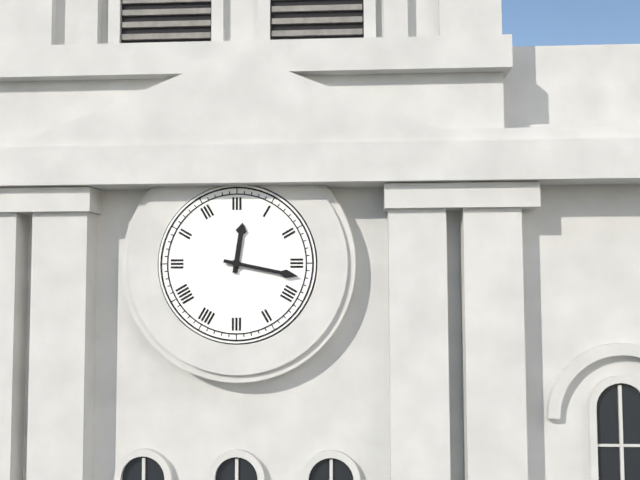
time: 12:17
